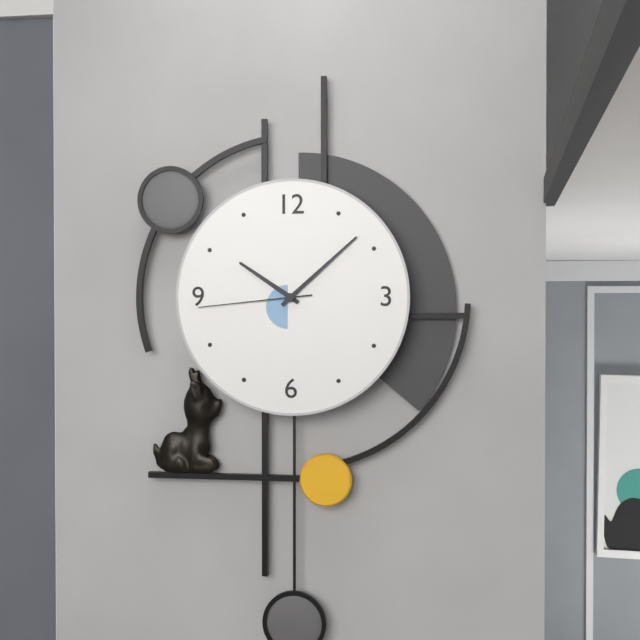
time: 10:08:44
